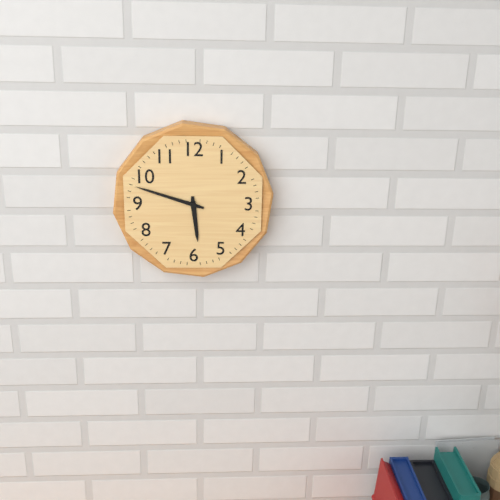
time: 5:48
